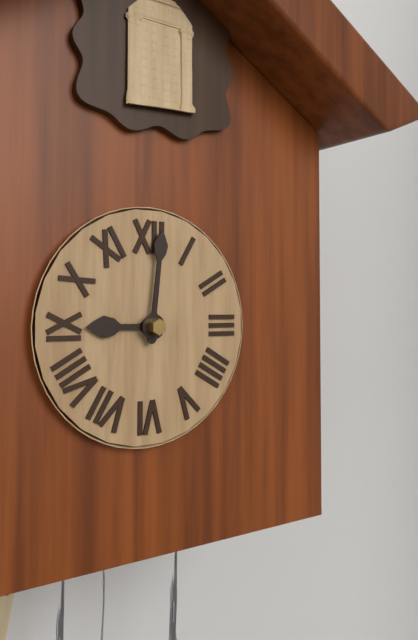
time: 9:01
